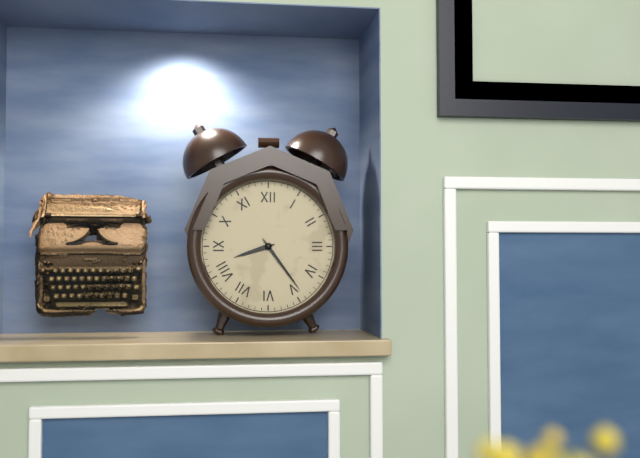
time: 8:24
